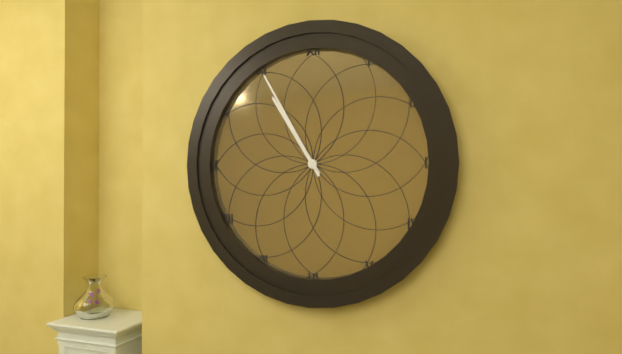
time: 10:55
